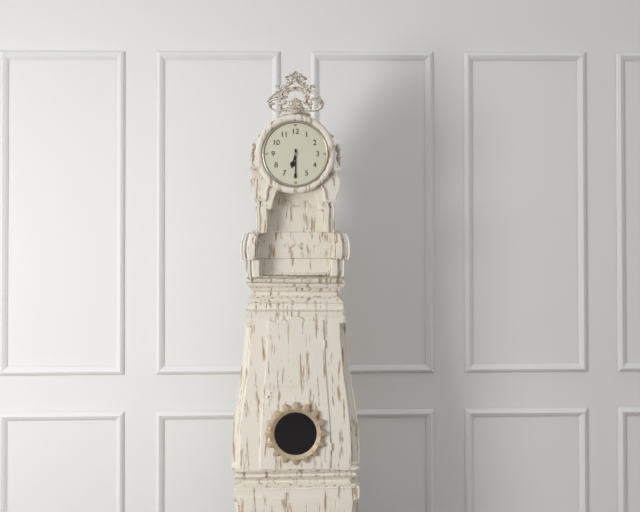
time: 6:30
